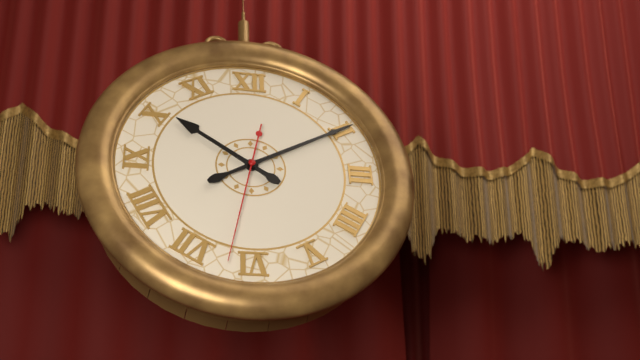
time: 10:10:32
